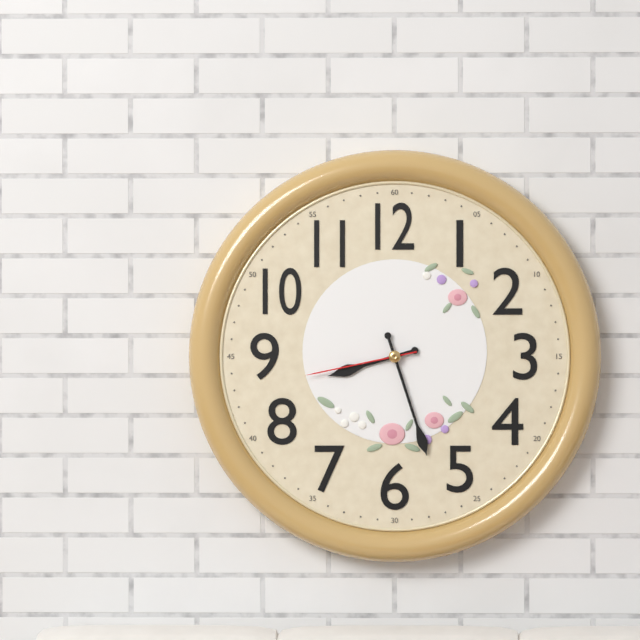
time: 8:27:43
